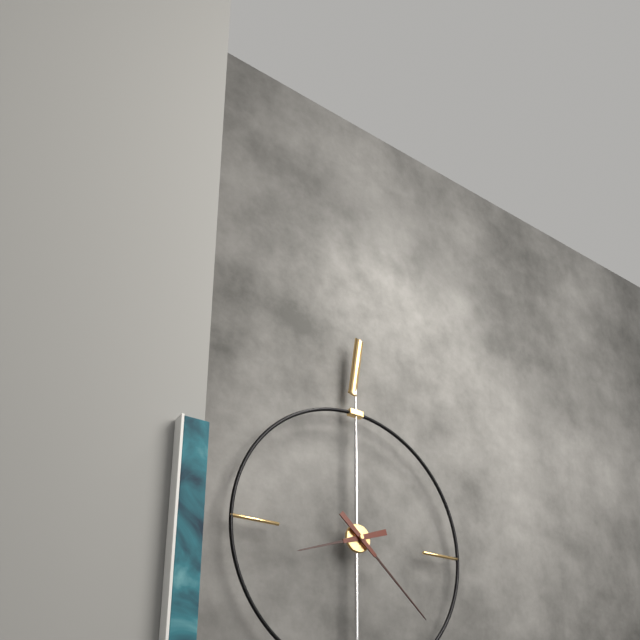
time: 8:22
